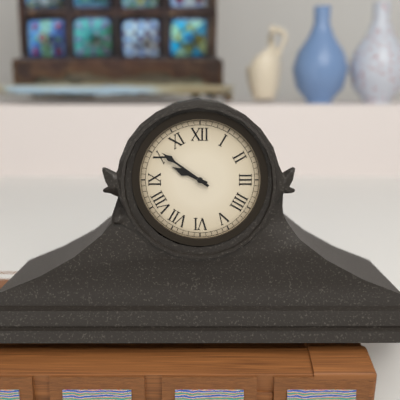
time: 9:51
